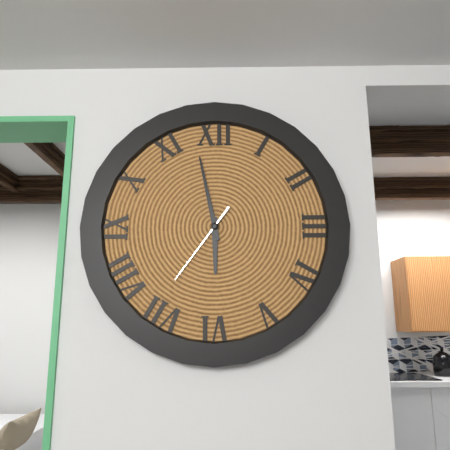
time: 5:58:36
